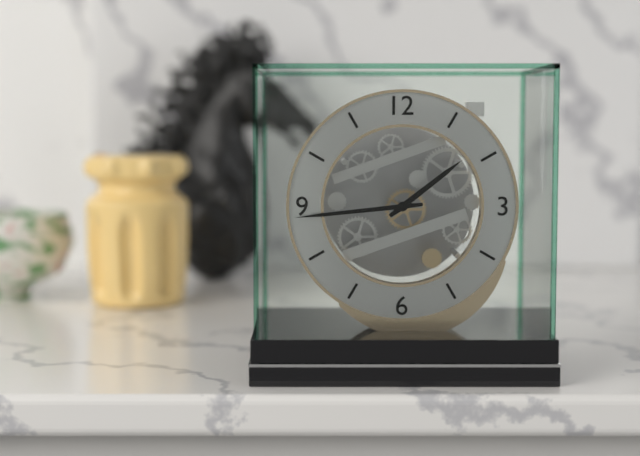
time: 1:44
